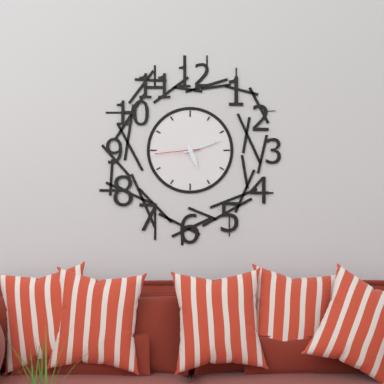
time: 5:12
